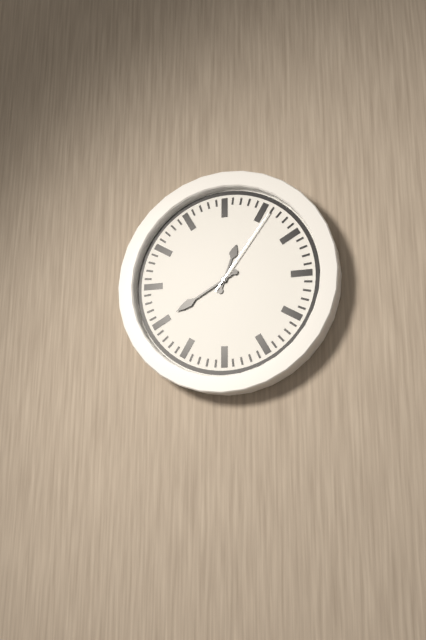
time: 12:40:06
